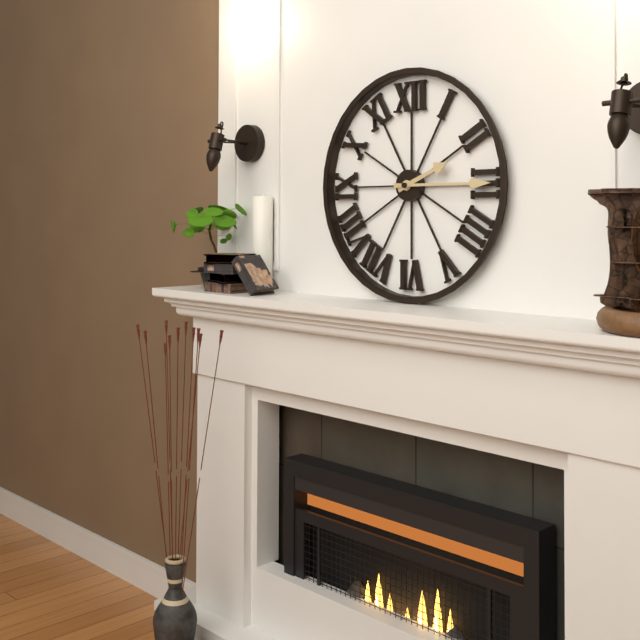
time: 2:15
